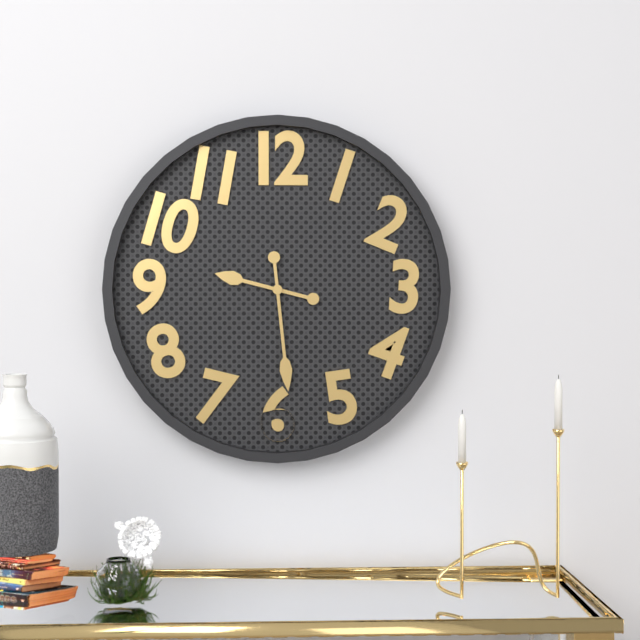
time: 9:29
